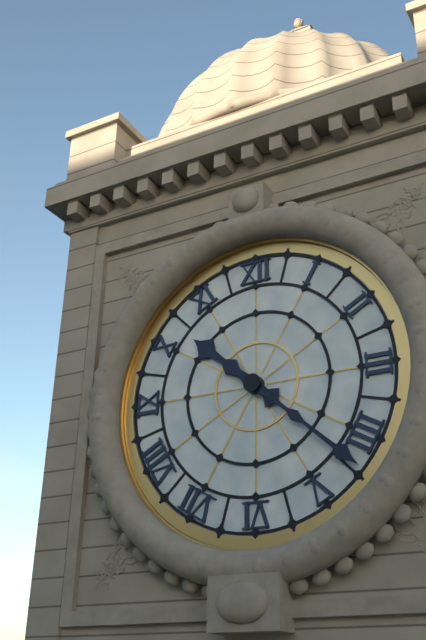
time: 10:22
